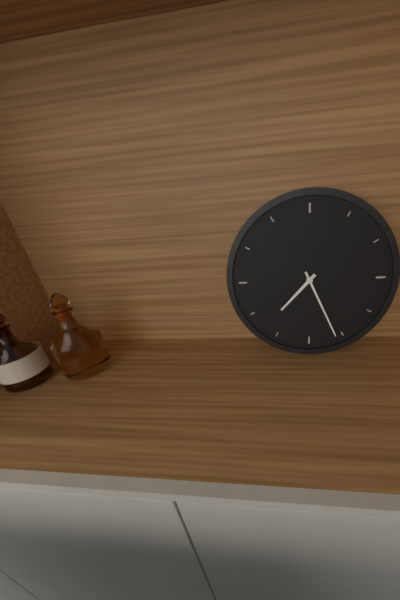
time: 7:26
